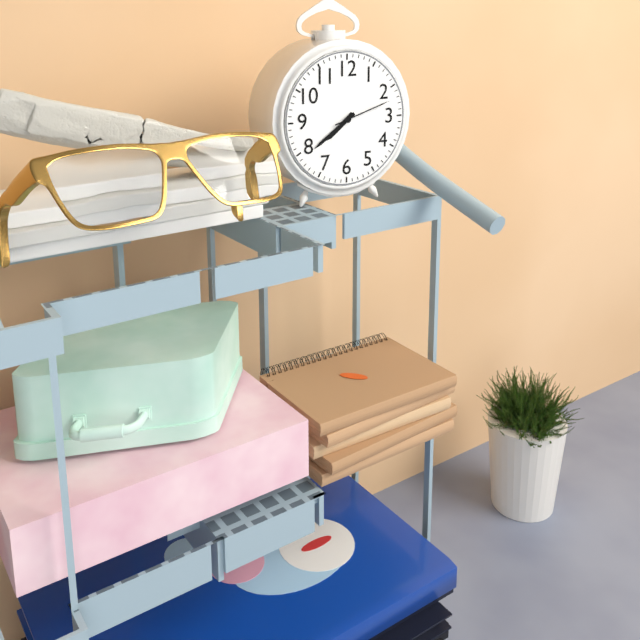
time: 7:39:12
